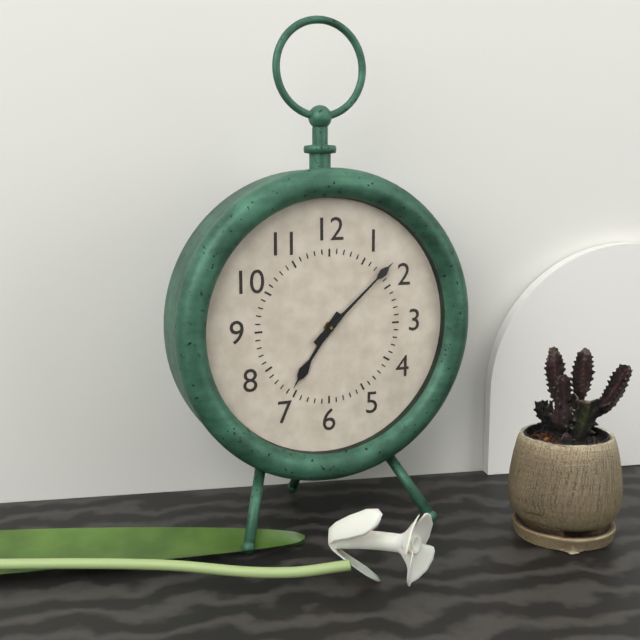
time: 7:08
